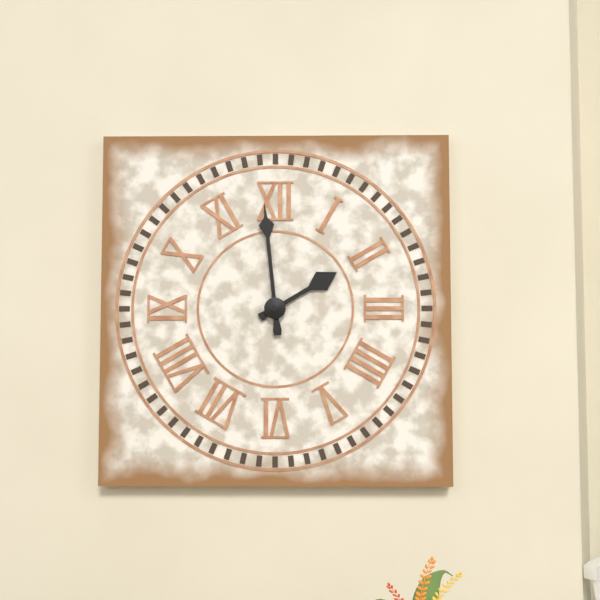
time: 1:59
